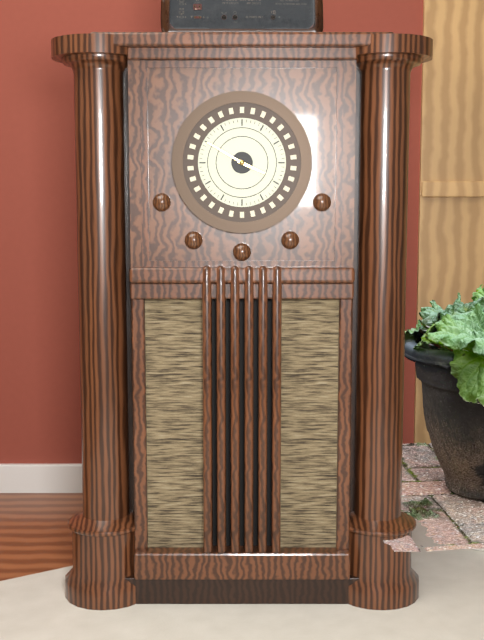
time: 3:50
